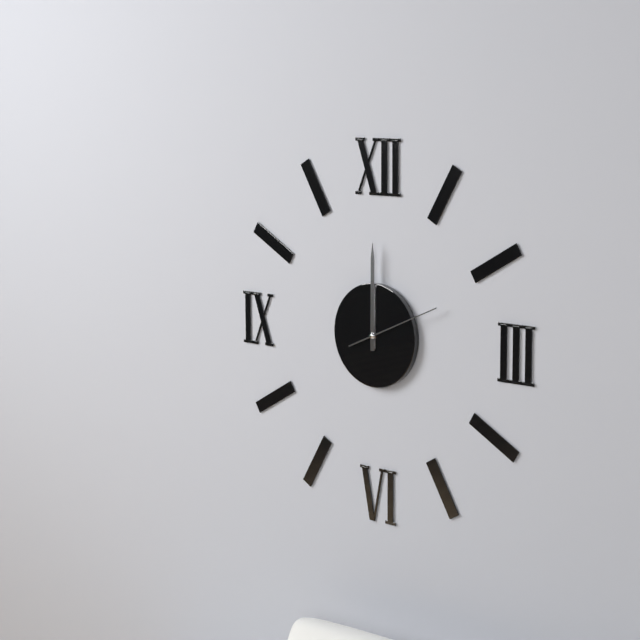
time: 12:00:11
